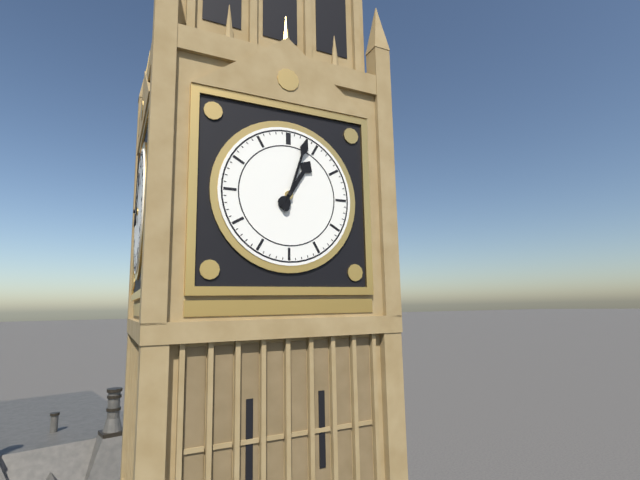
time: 1:03
